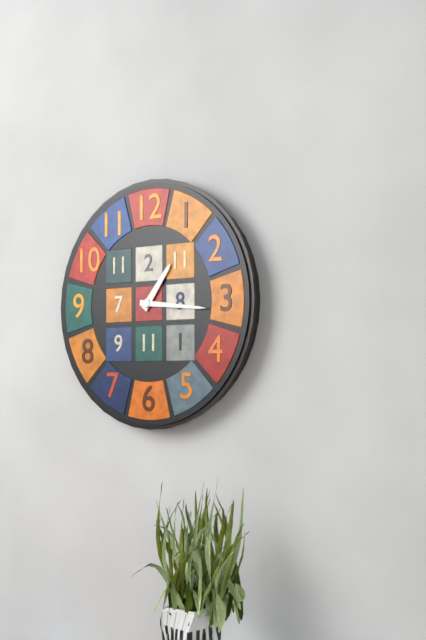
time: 1:16
